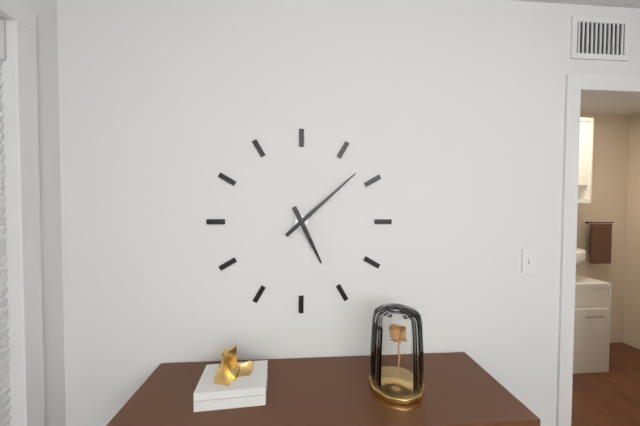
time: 5:08
